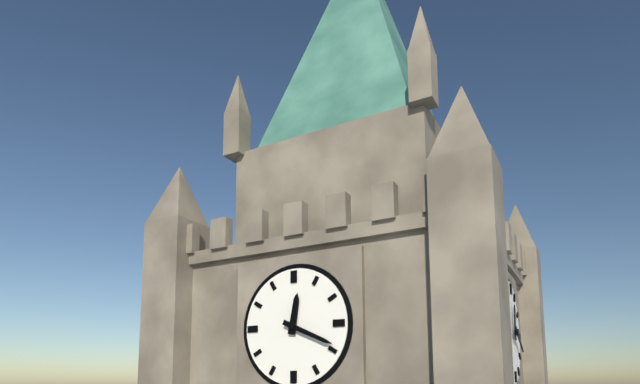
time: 12:19
